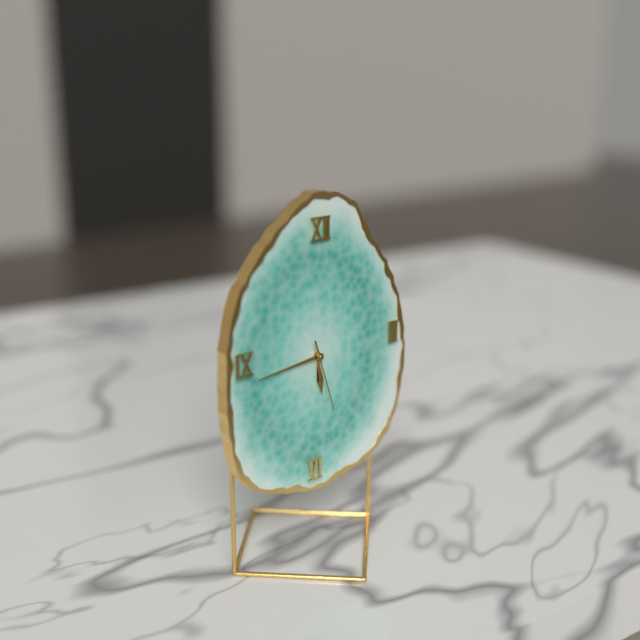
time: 5:44:27
